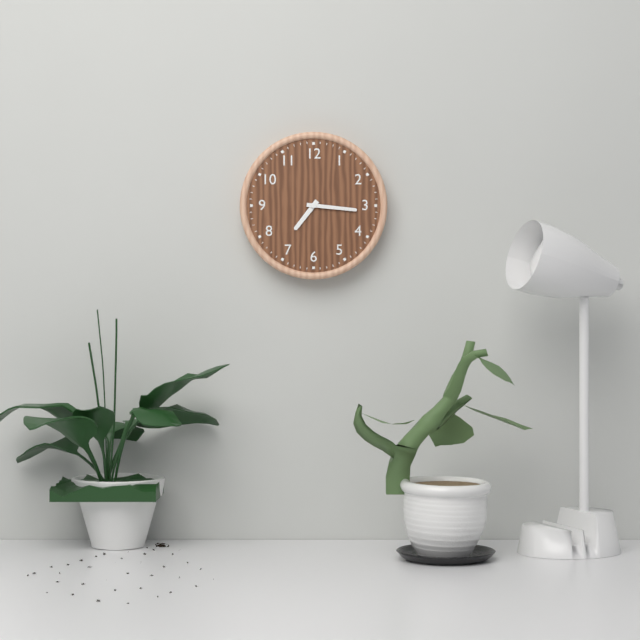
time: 7:16
